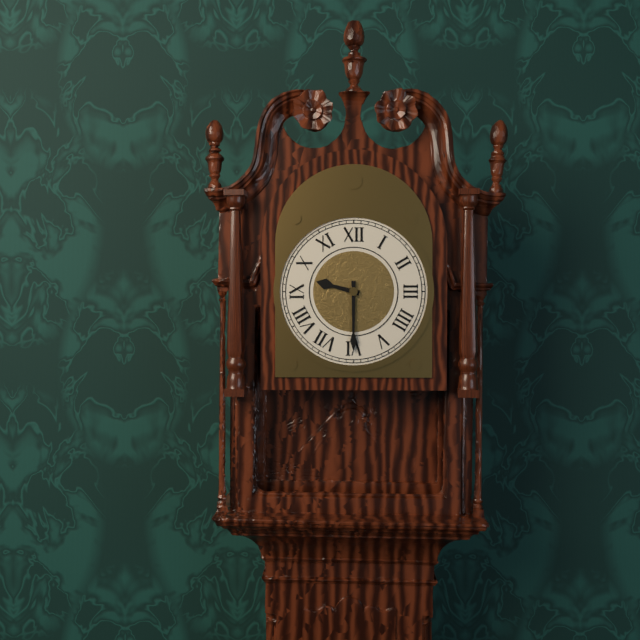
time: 9:30
